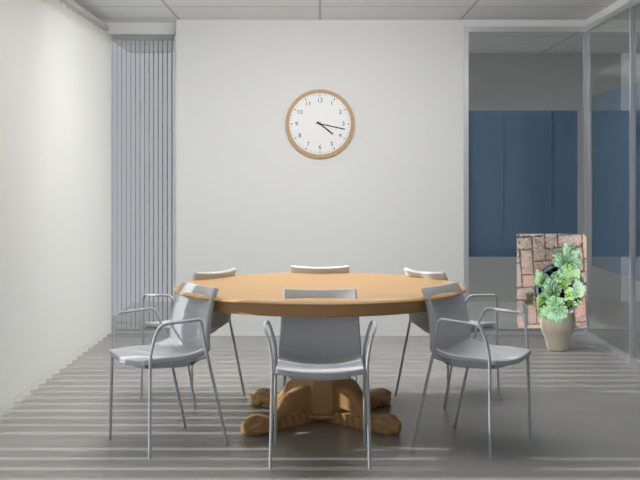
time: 4:17
